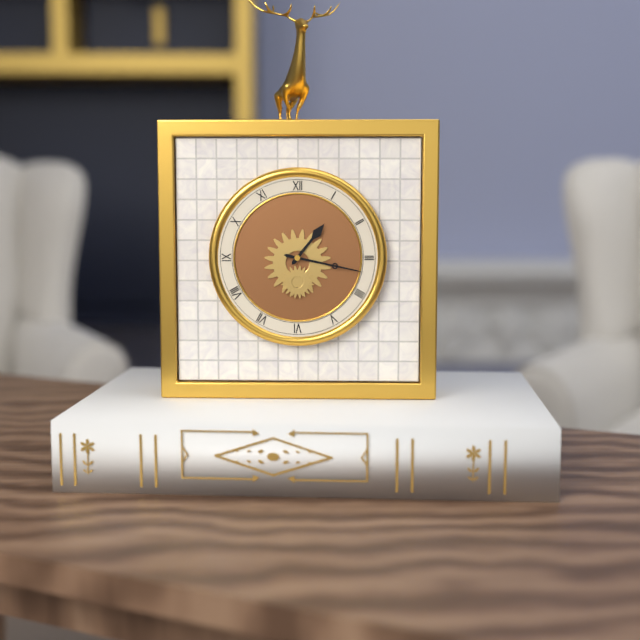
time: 1:17
